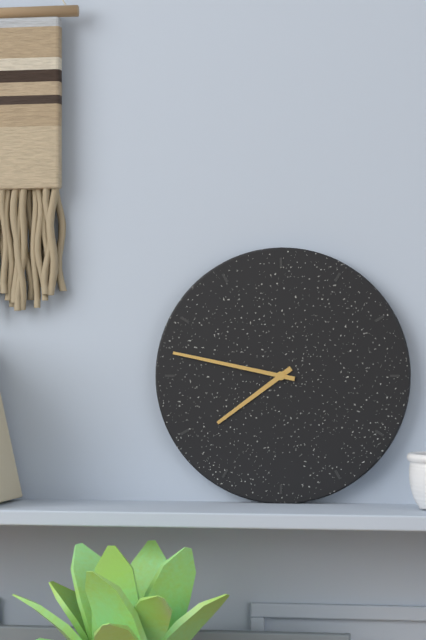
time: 7:47
